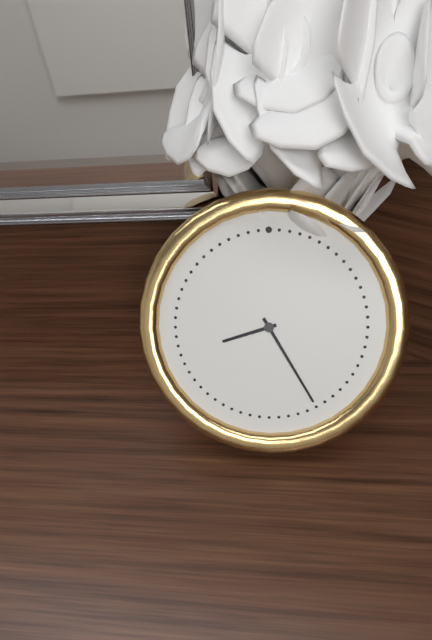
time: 8:25
